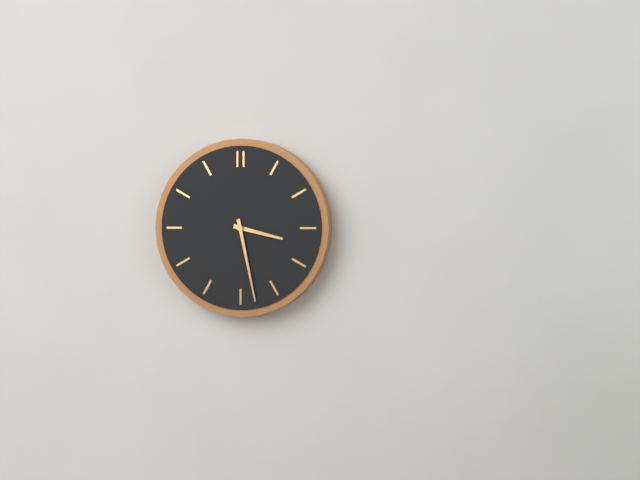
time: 3:28
